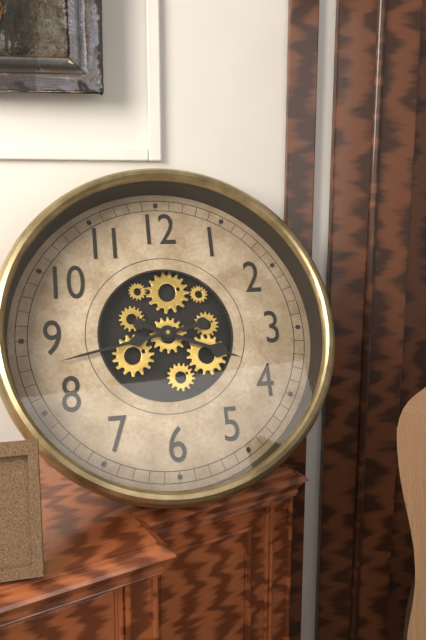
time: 3:43
